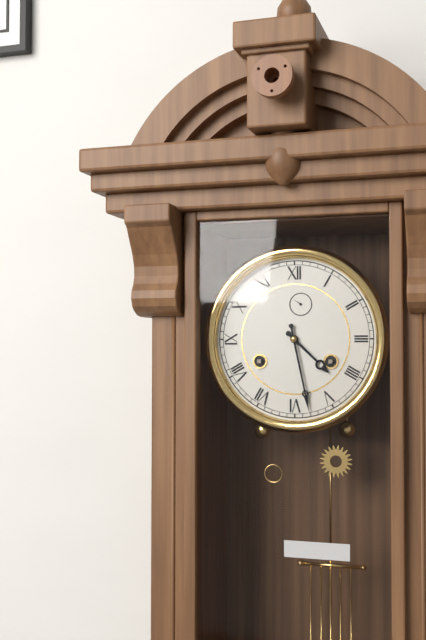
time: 4:28
